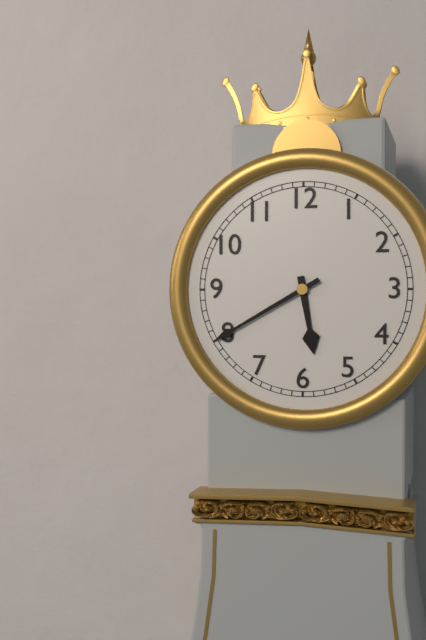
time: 5:40
